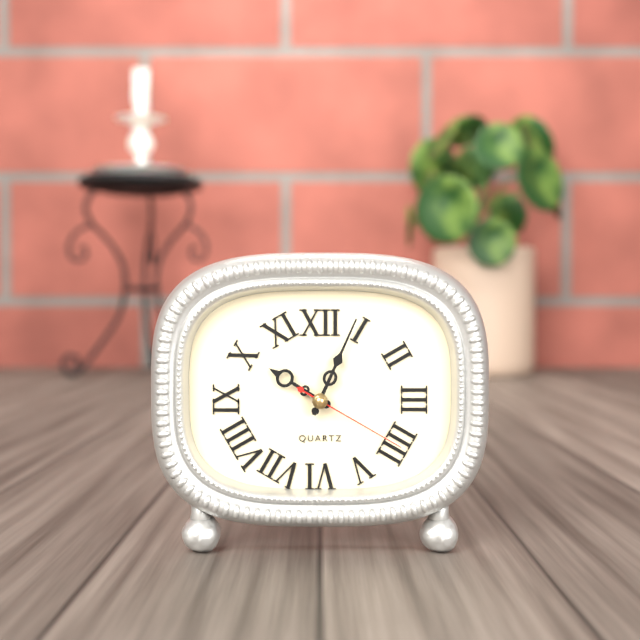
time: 10:04:20
